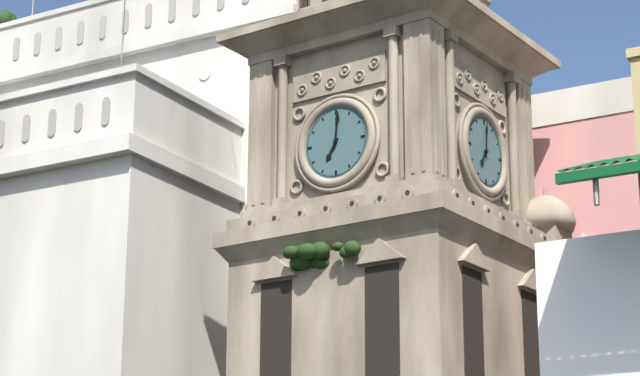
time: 7:01
